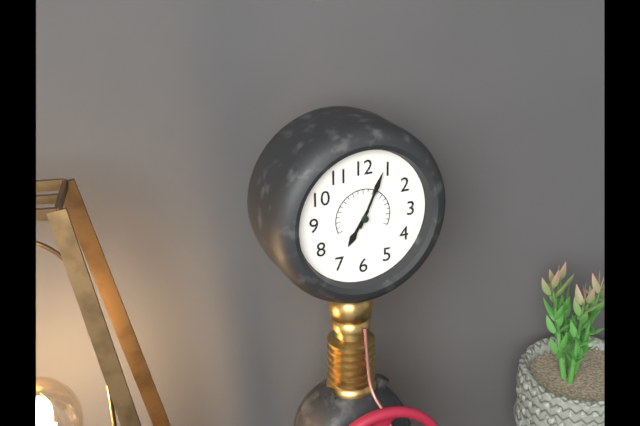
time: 7:04
